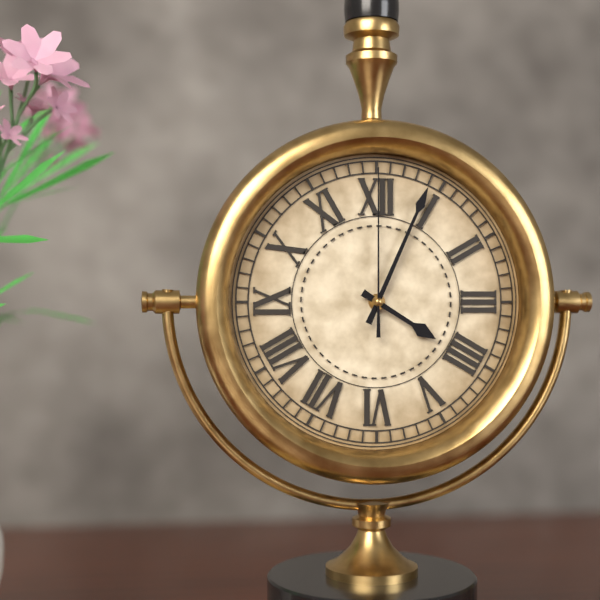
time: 4:04:00
